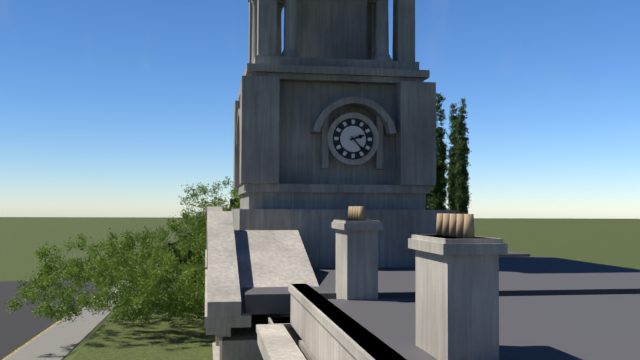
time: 2:23
